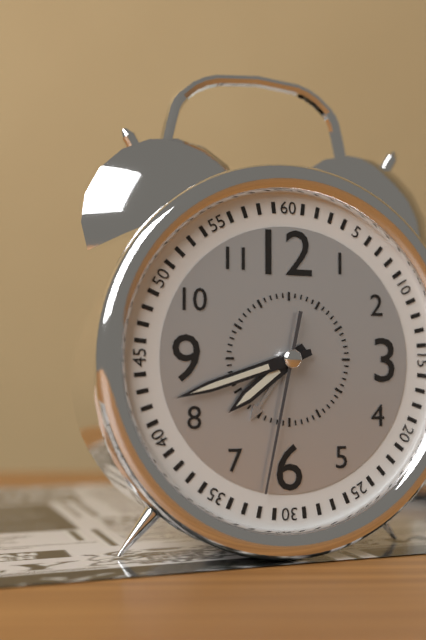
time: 7:42:32
